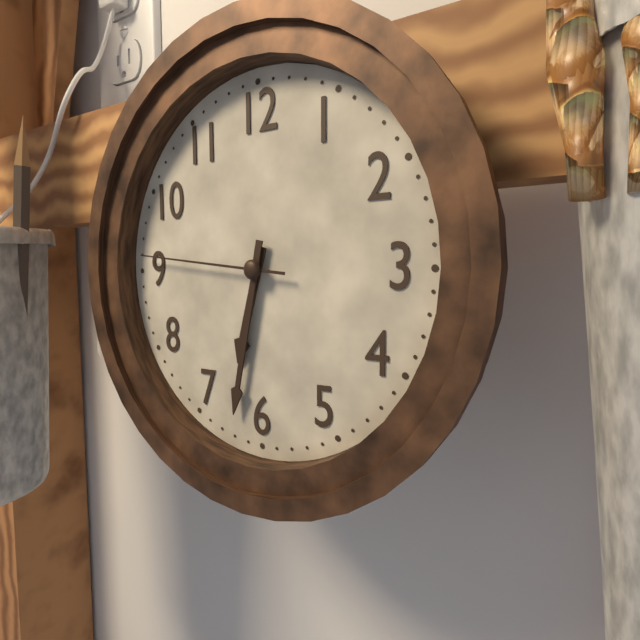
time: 6:32:46
